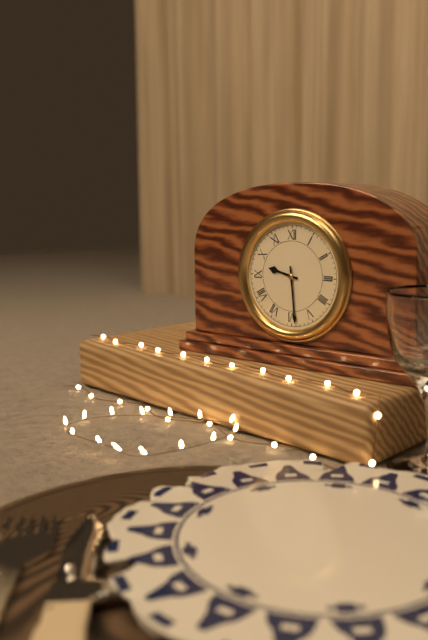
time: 9:29
